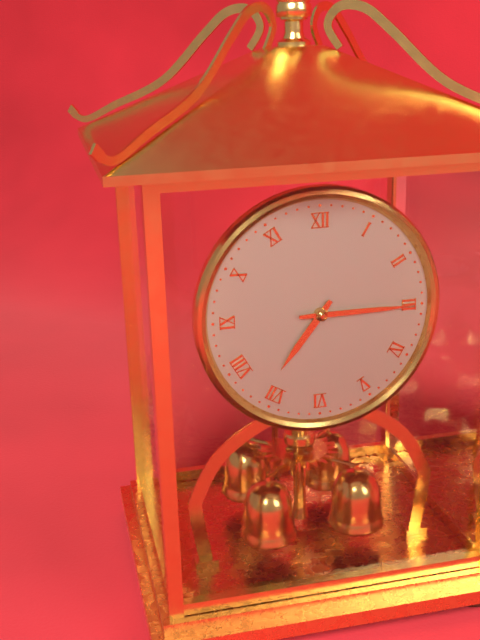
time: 7:15
